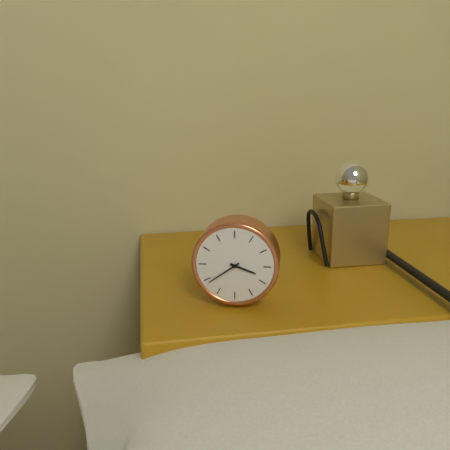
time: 3:39
